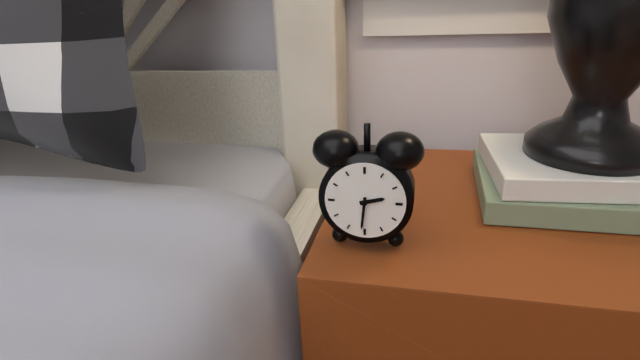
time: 2:31
